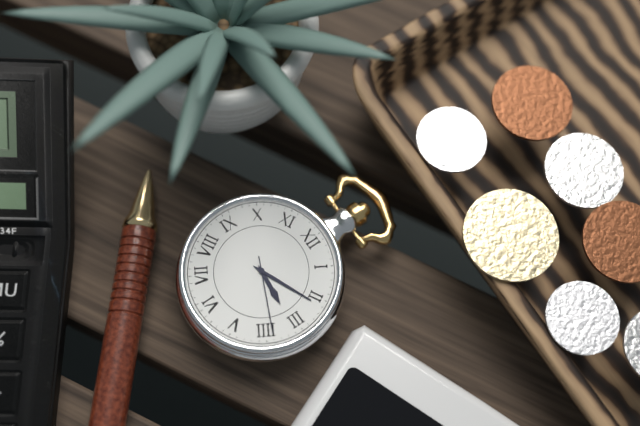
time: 3:11:19
